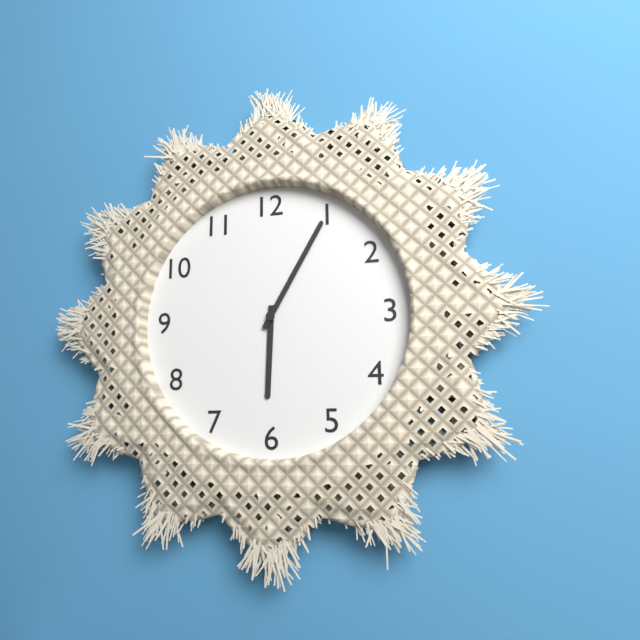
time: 6:05
